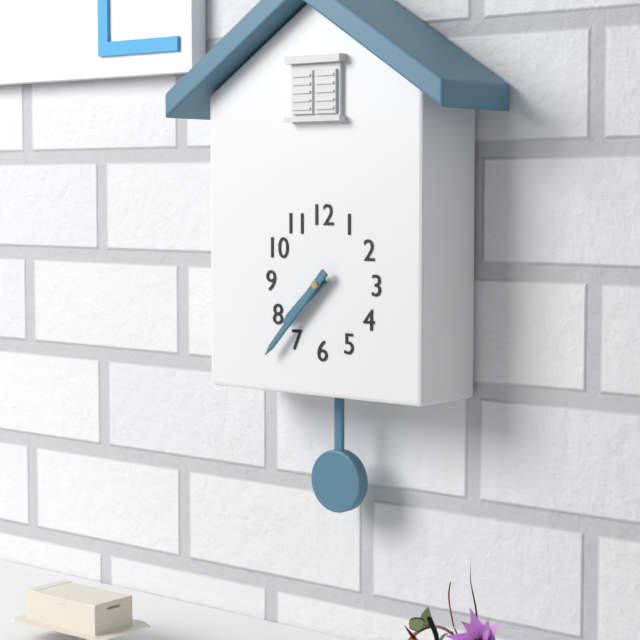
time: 7:37
